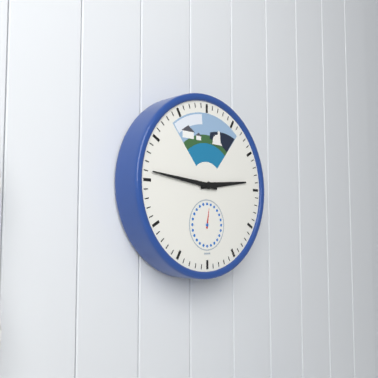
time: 2:46
